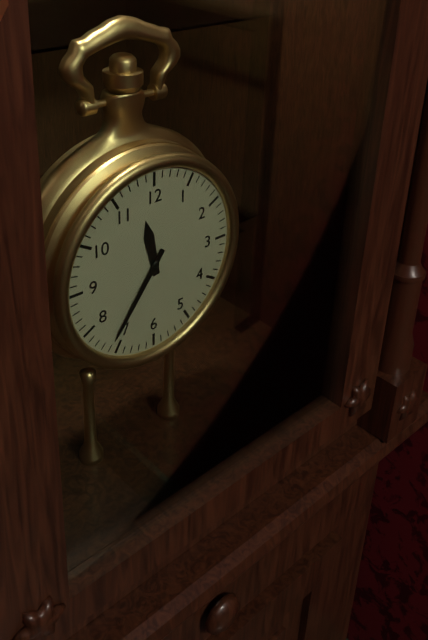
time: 11:36
